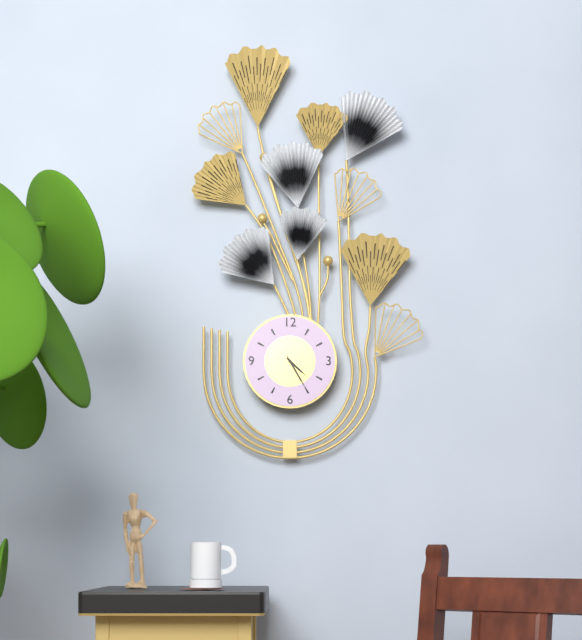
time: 4:25
